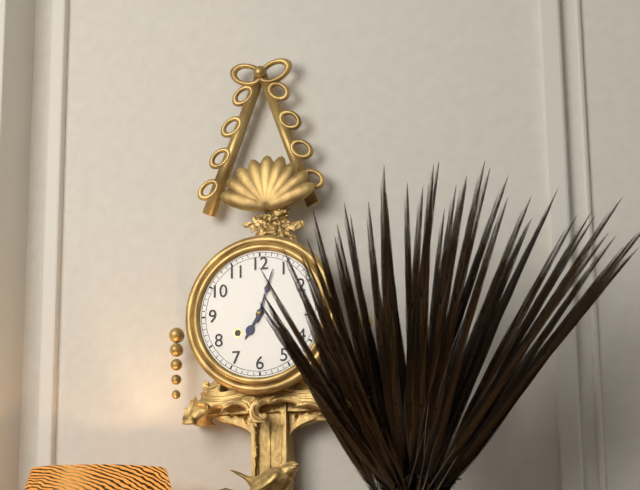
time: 7:03
